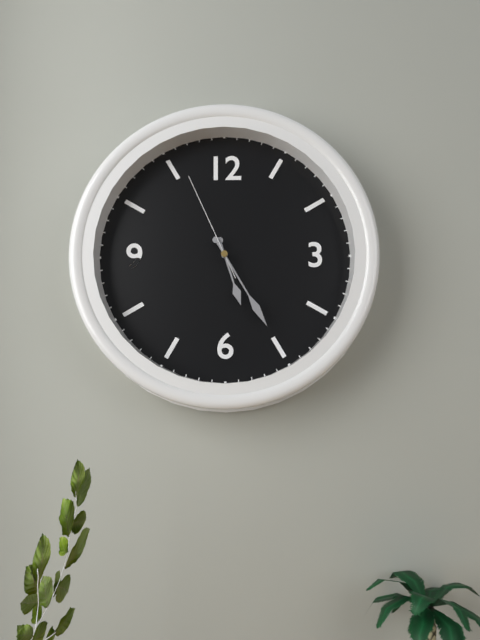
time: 5:25:56
